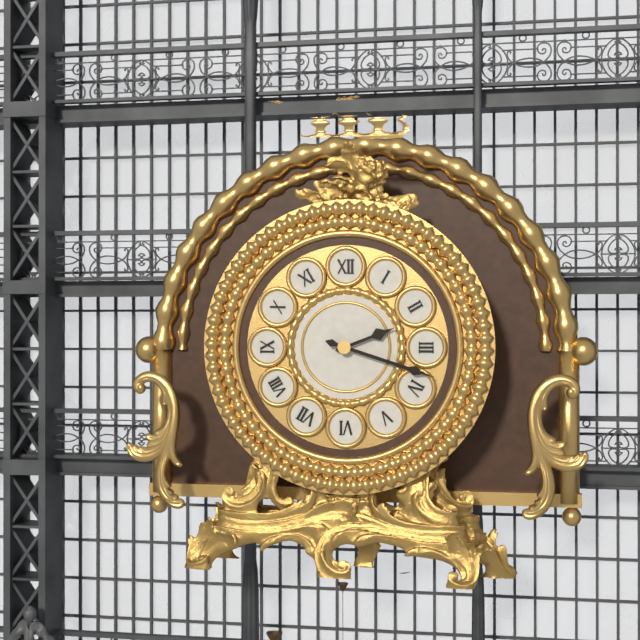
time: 2:18
